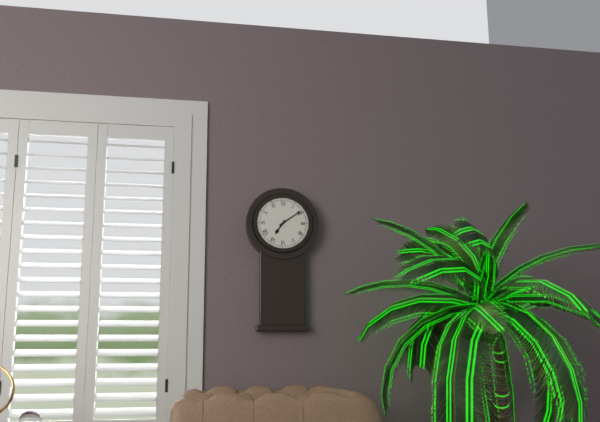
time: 7:09
